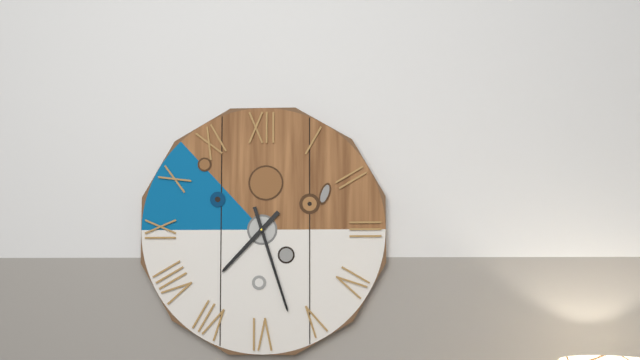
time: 7:27
